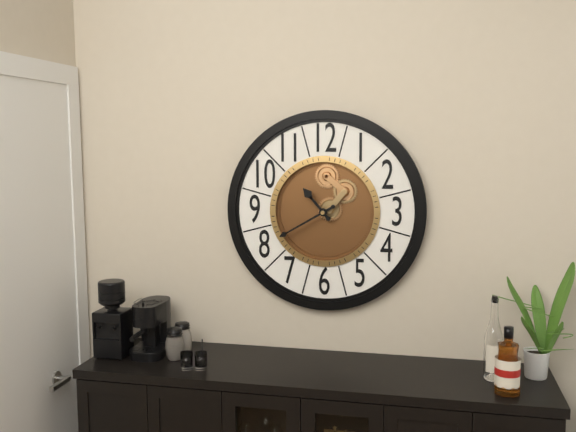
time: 10:40
